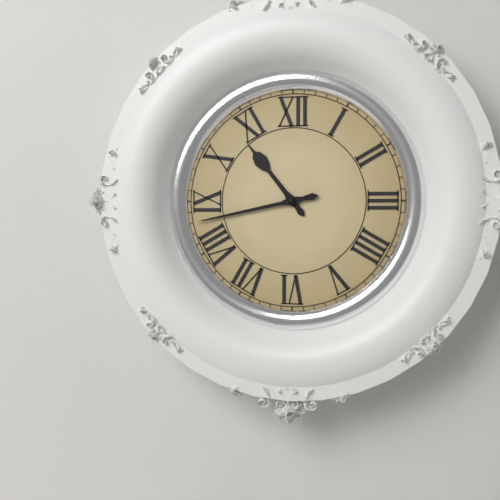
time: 10:43
